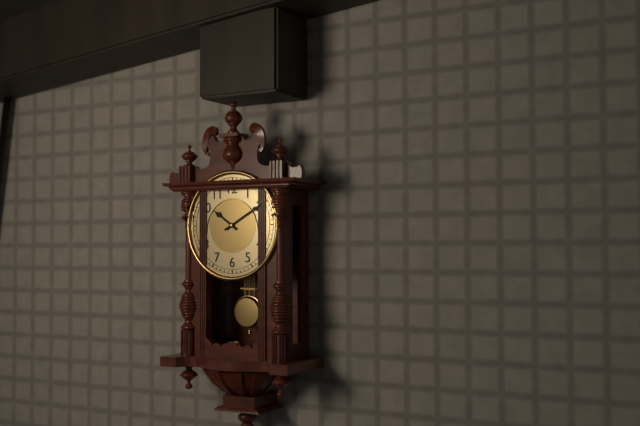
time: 10:10
